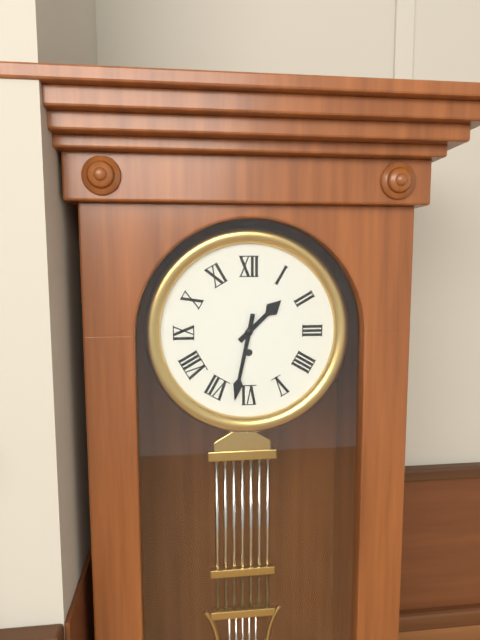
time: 1:32
